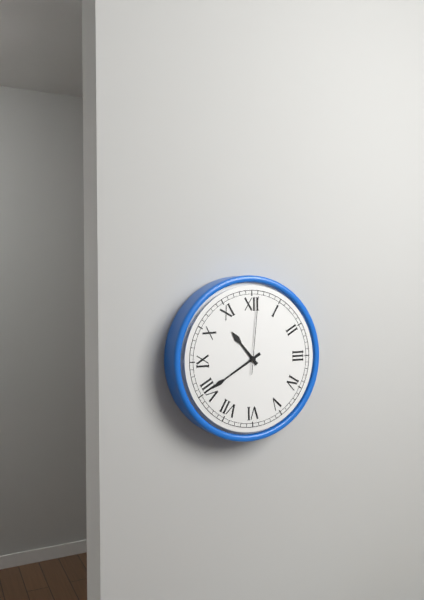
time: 10:40:01
